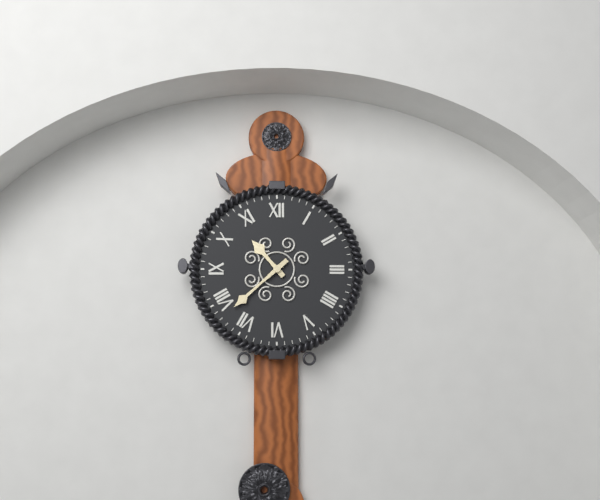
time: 10:38
